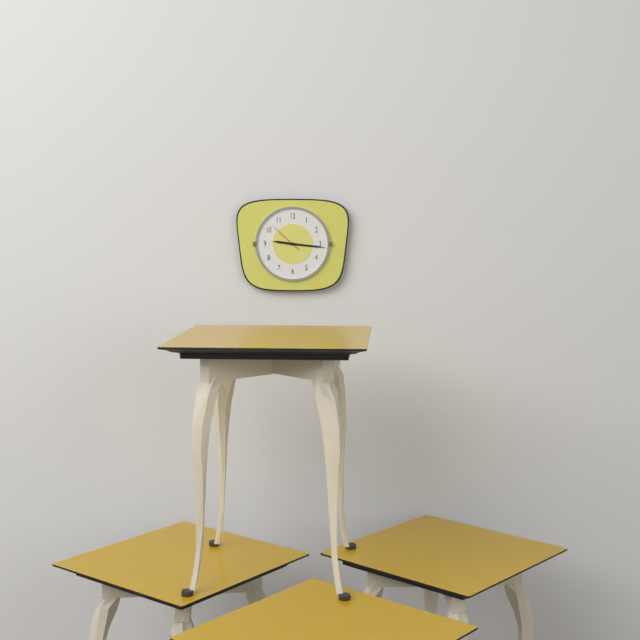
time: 9:16
